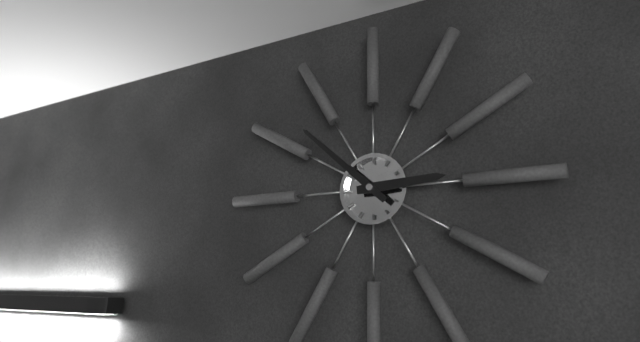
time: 2:52
